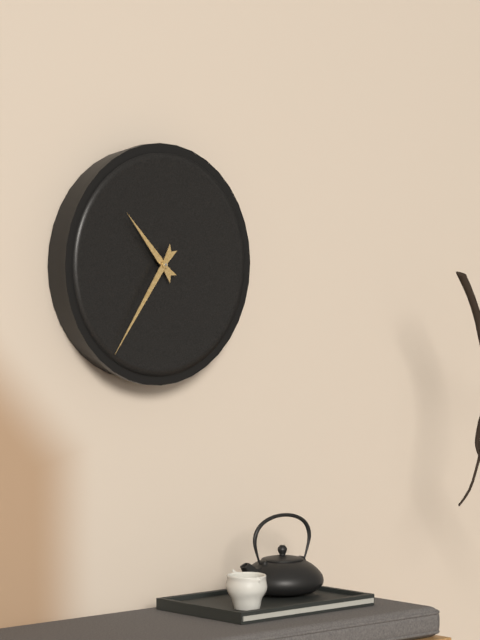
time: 10:36
